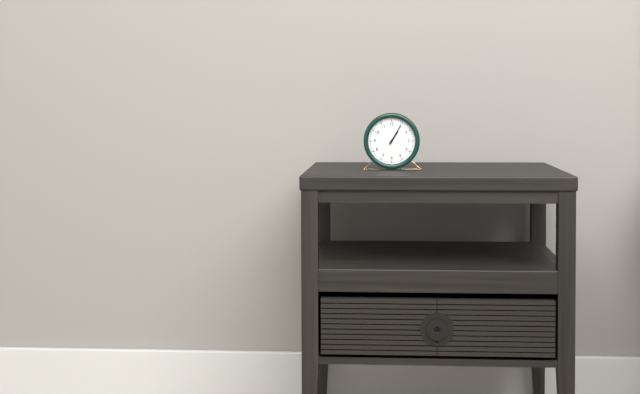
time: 1:05
